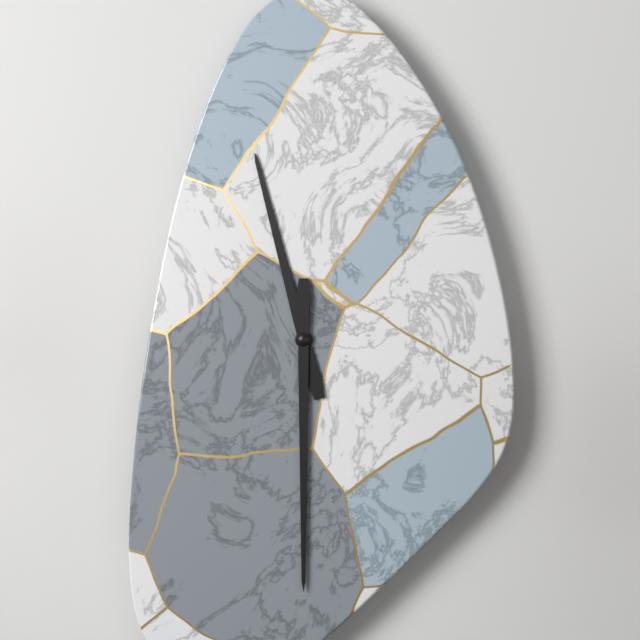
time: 11:30
